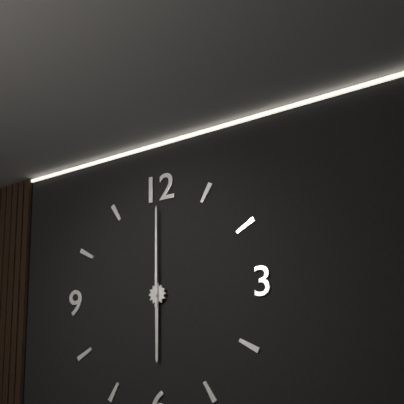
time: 6:00
